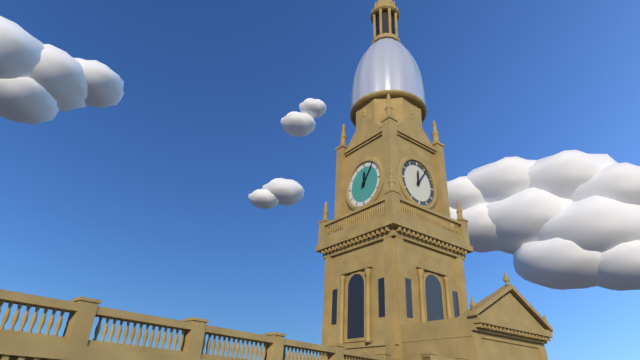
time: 12:06
